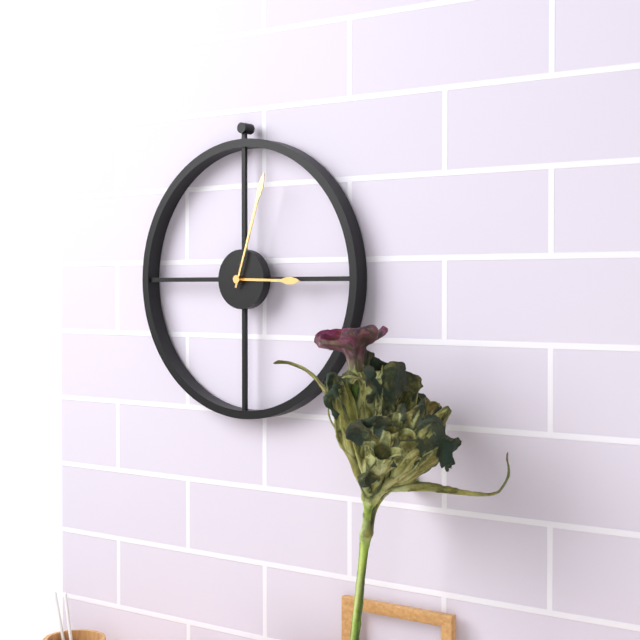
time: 3:03
